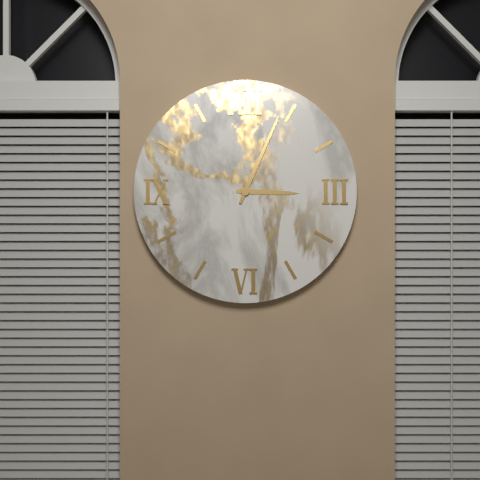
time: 3:04
